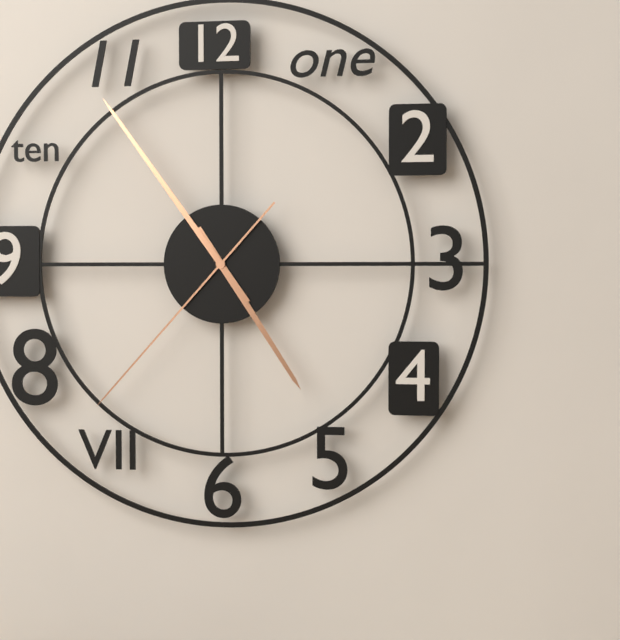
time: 4:54:37
